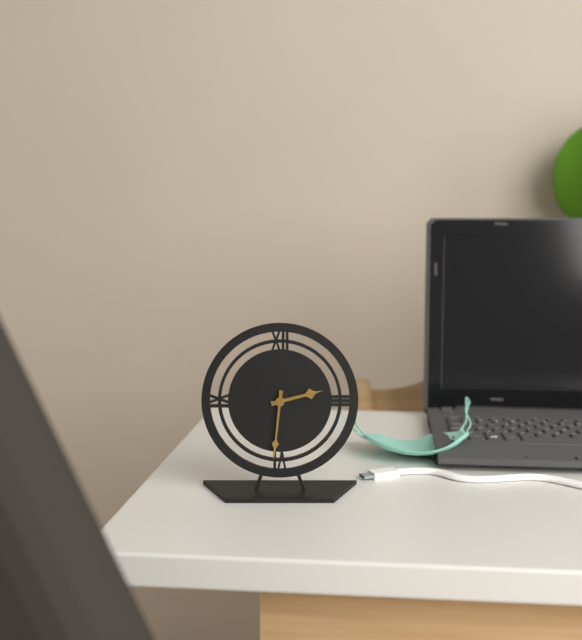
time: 2:31
